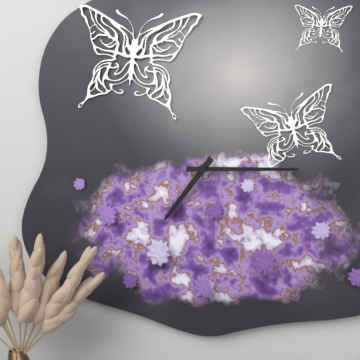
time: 7:15
